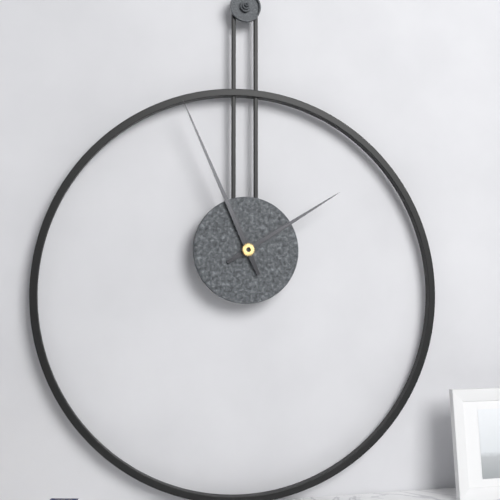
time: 1:56
